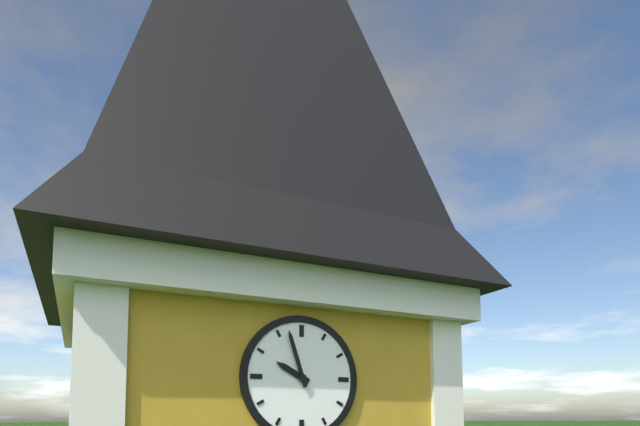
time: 9:57
